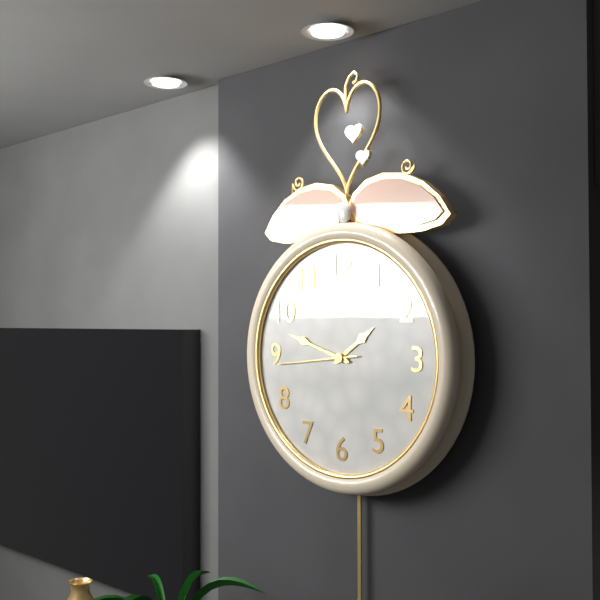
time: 1:48:44
